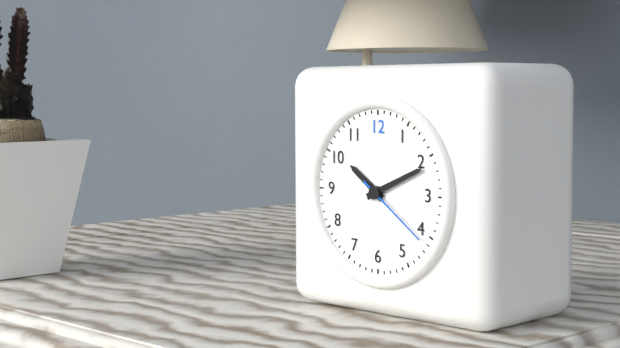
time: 10:11:21
